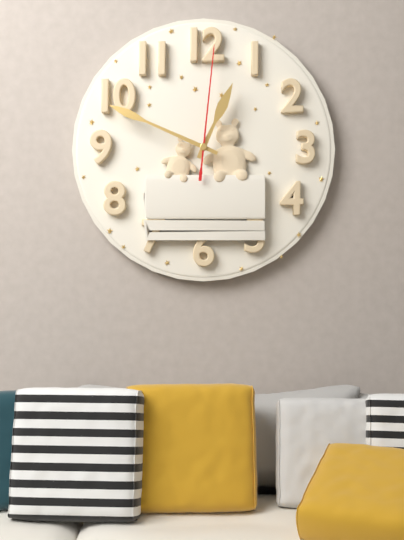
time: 12:49:01
